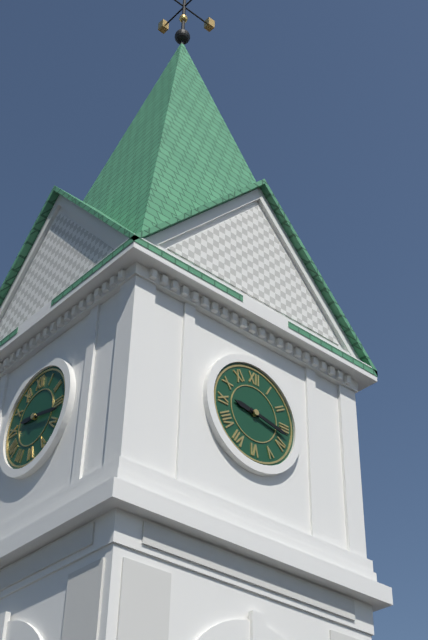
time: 9:17
